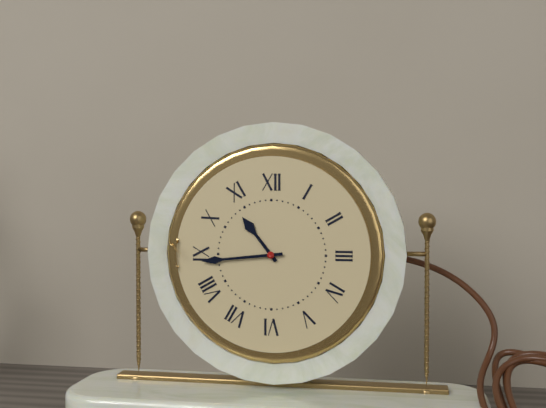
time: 10:44
